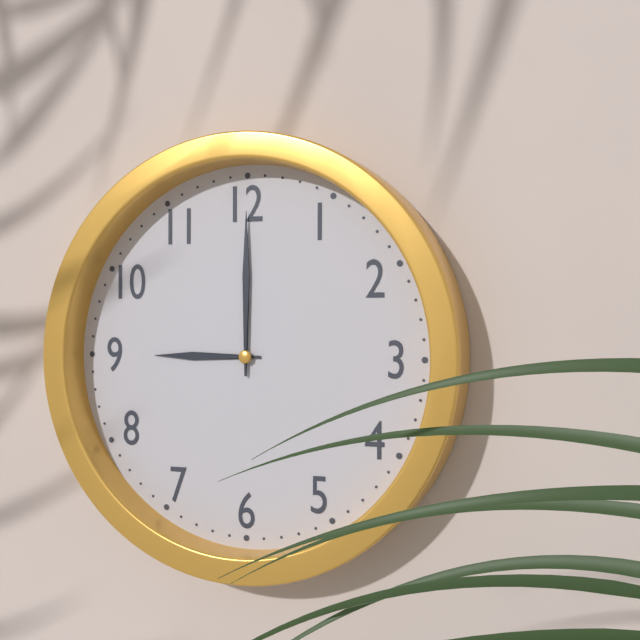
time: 9:00
